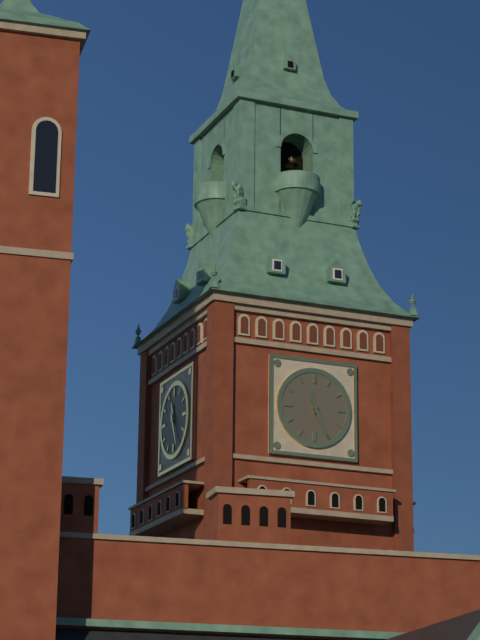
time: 11:26
